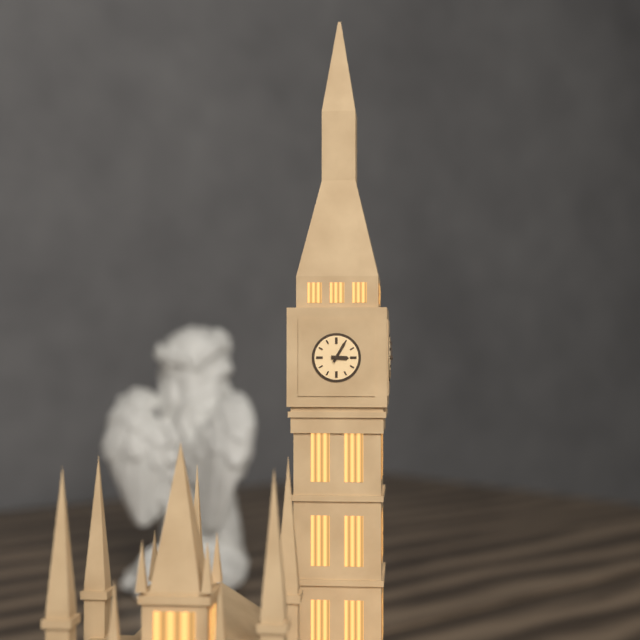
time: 3:05
